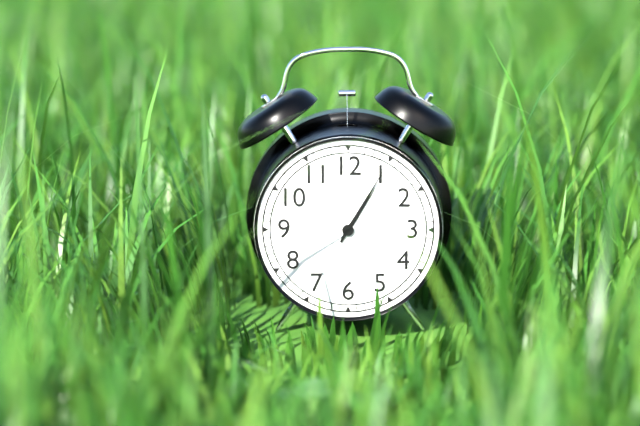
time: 1:05
